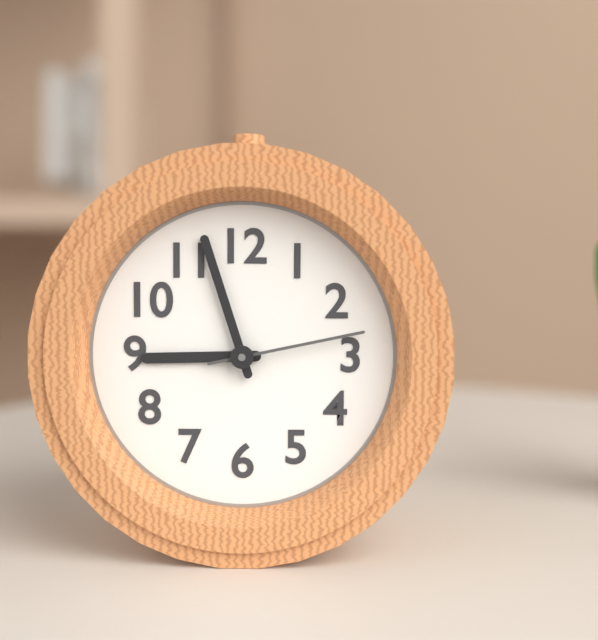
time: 8:57:13
